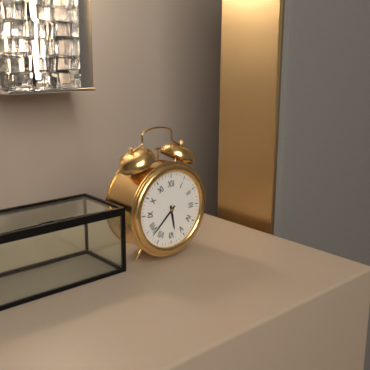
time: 5:38
